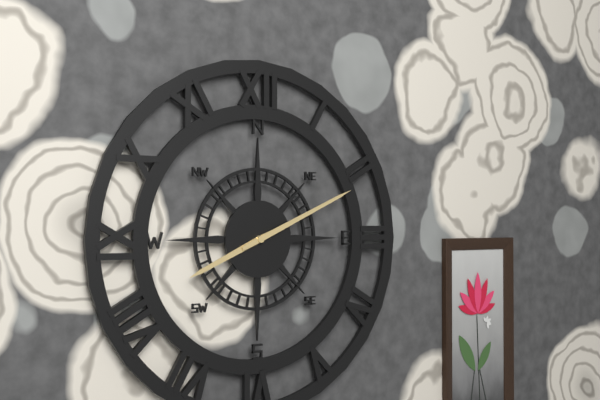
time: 8:11
